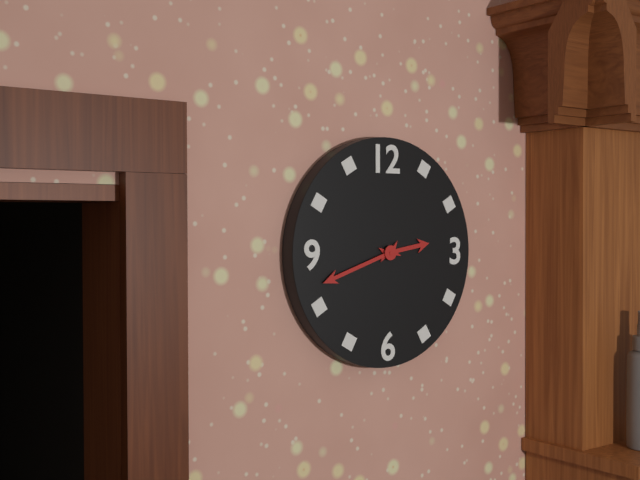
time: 2:42
